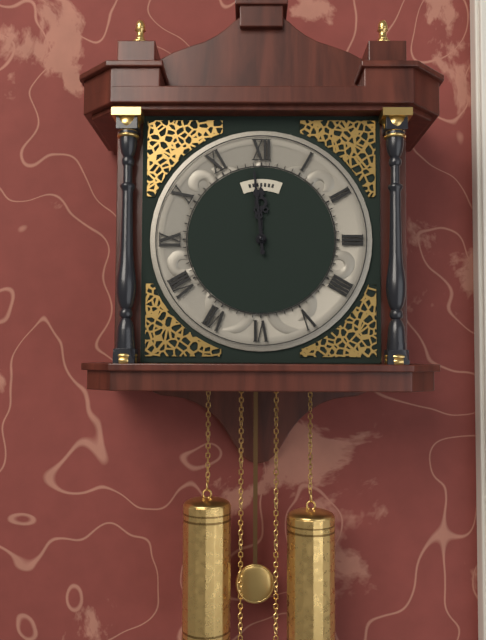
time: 11:59
